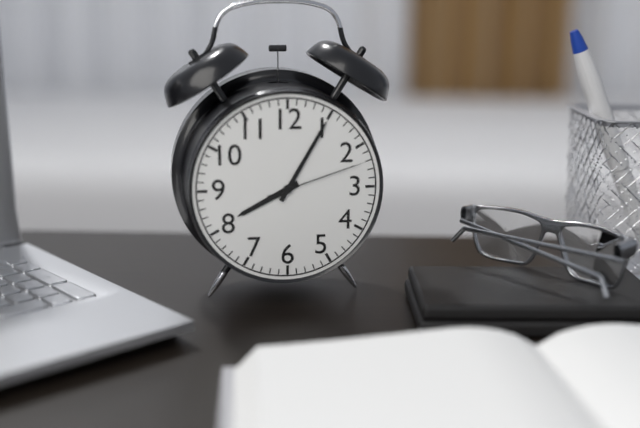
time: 8:05:12
